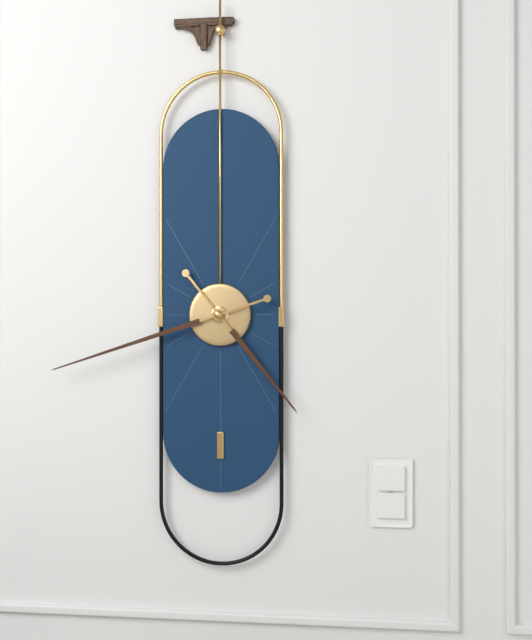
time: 4:42
